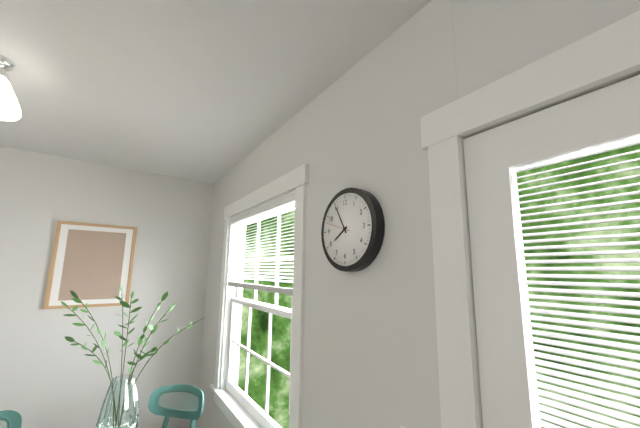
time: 7:55
